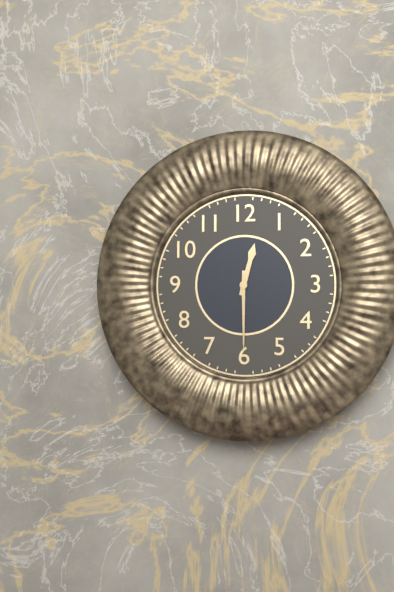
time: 12:30
